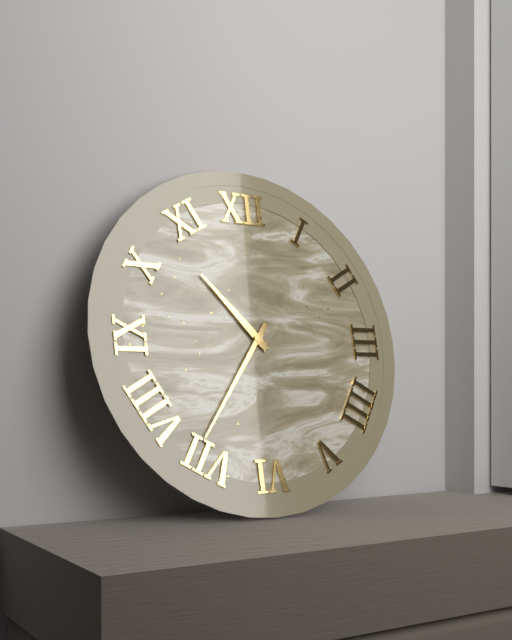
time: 10:36
